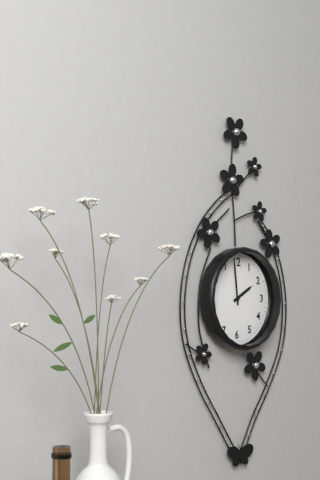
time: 1:59
